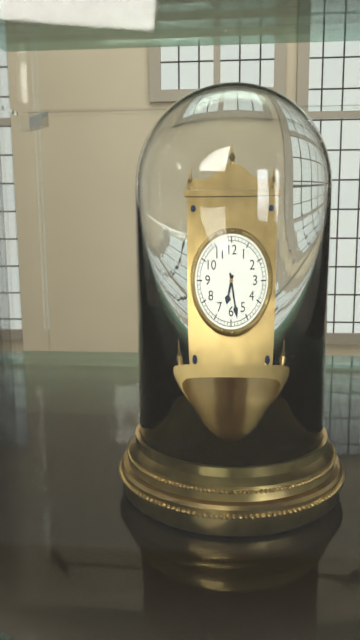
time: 6:28
